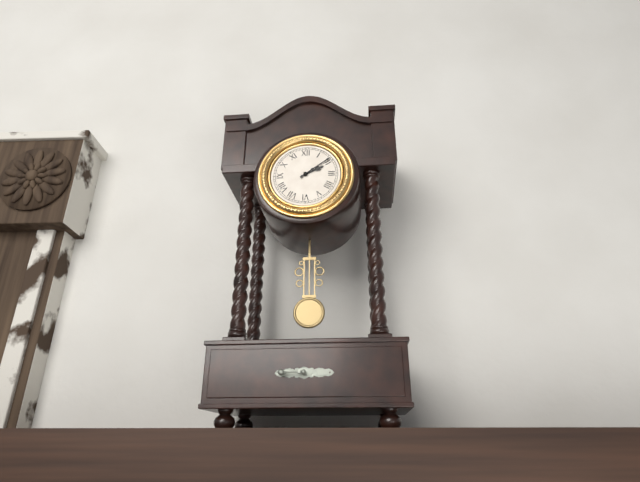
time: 2:09
